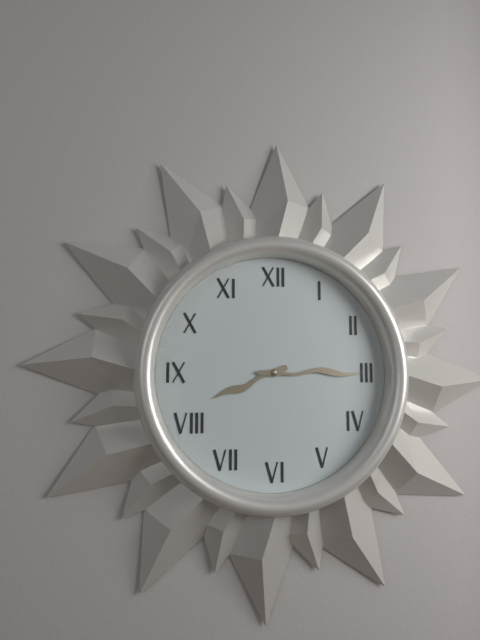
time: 8:15
